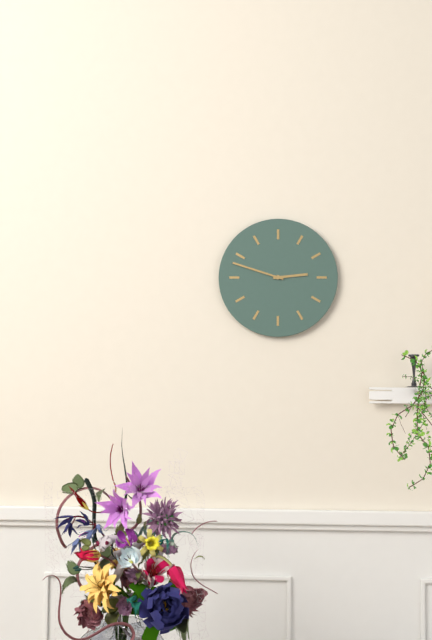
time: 2:48
